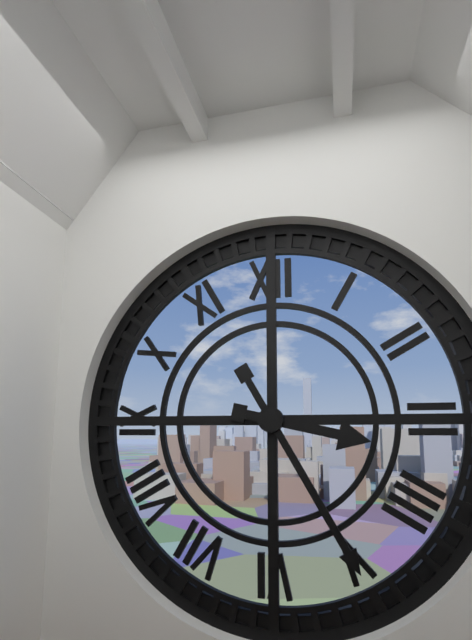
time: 3:25
